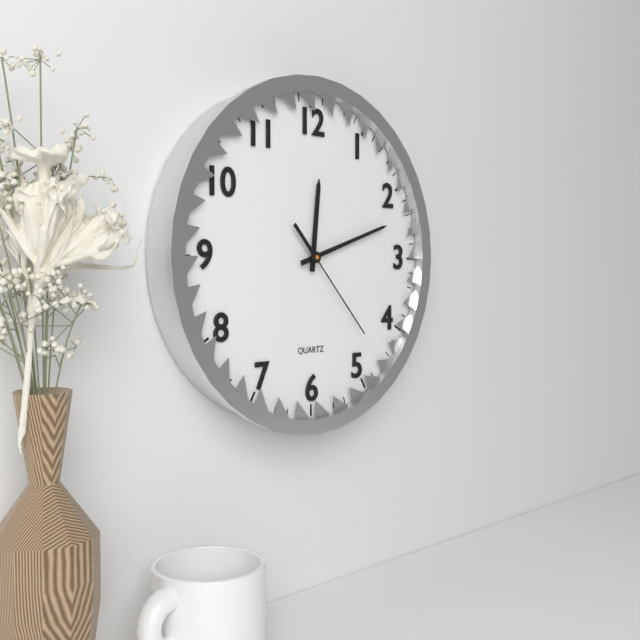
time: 12:12:23
